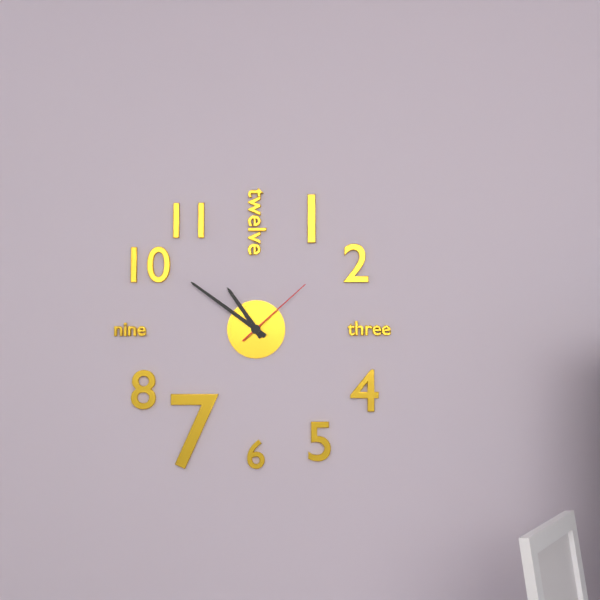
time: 10:51:08
